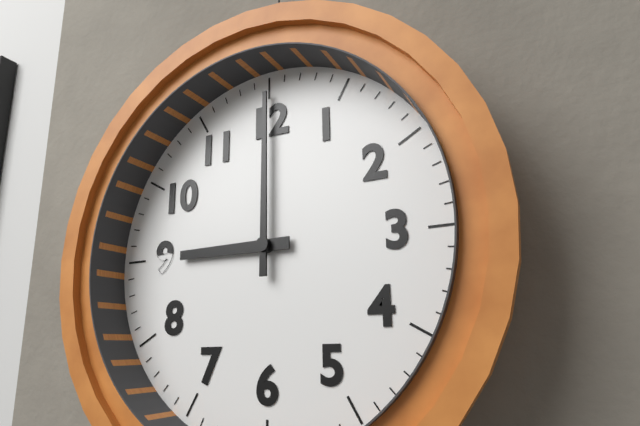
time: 9:00
